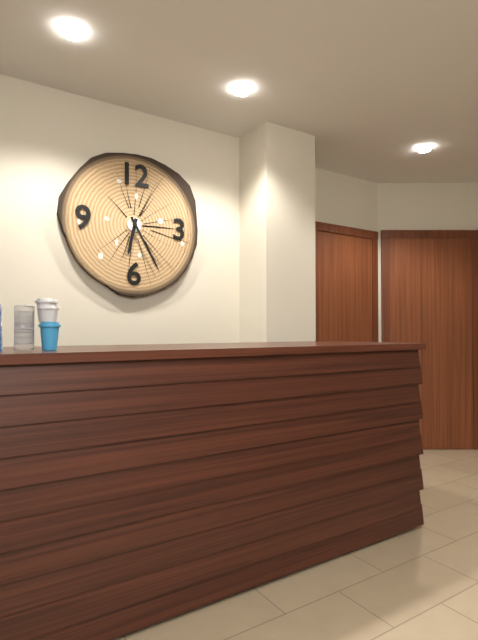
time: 6:25
